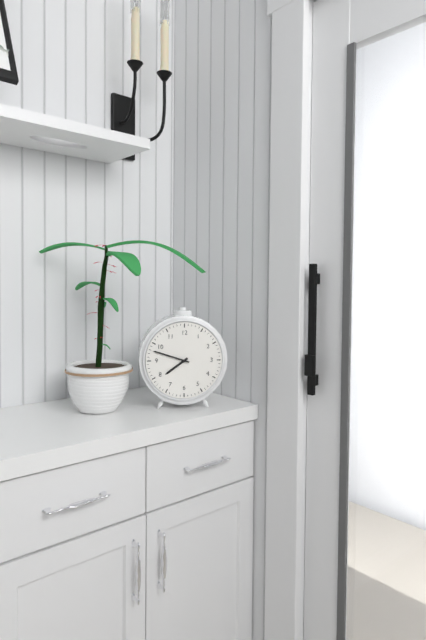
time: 7:48
